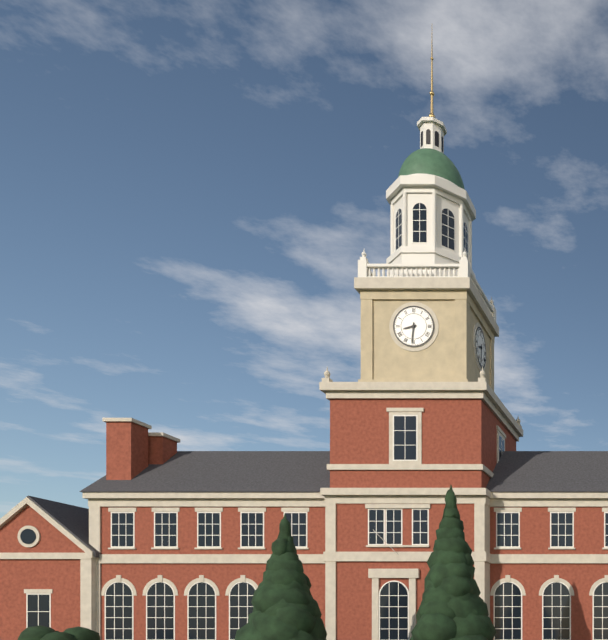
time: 8:31
